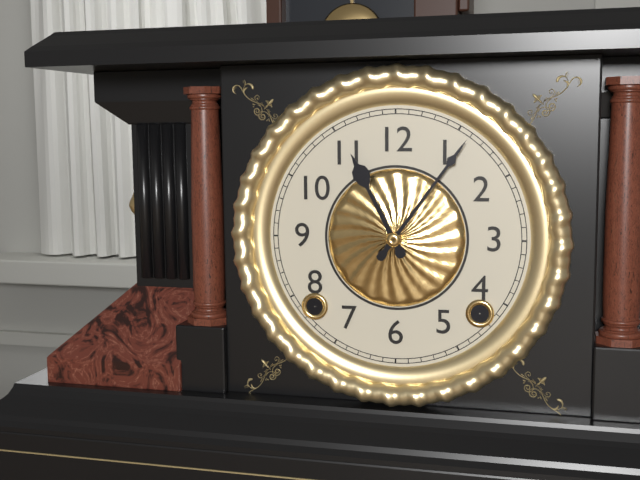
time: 11:06
